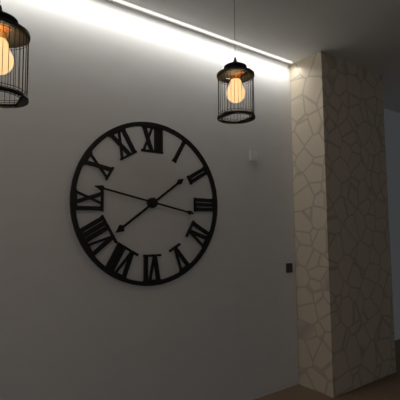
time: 7:47
